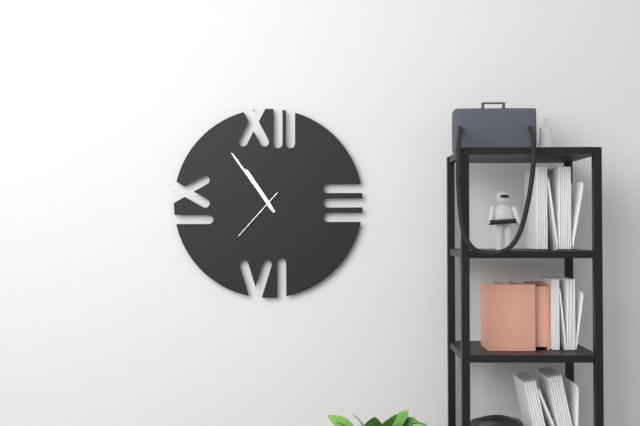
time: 10:54:37
